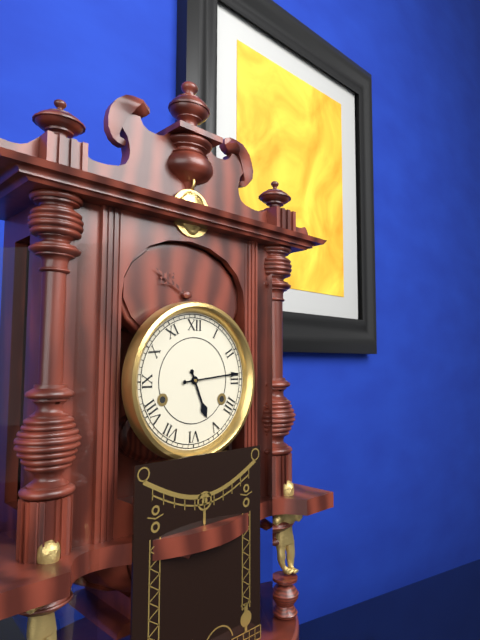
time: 5:14
